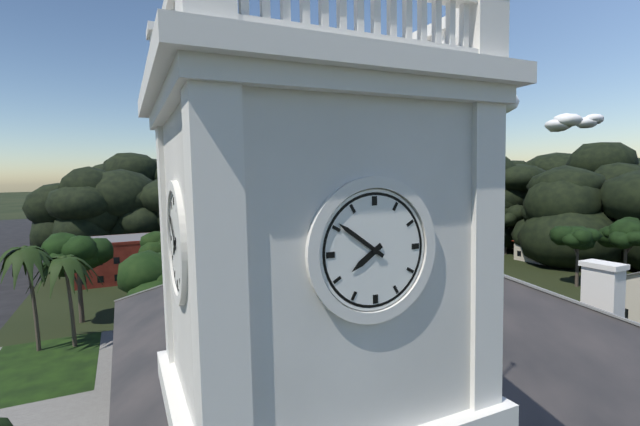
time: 7:51
